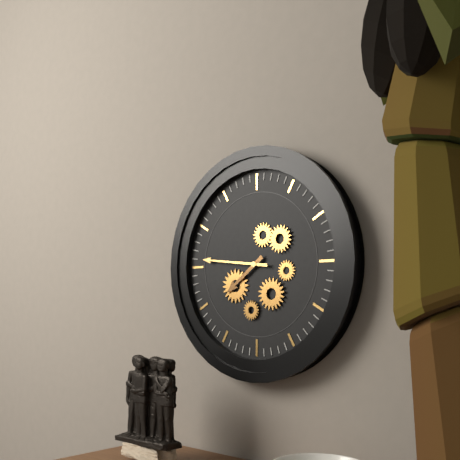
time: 7:46
